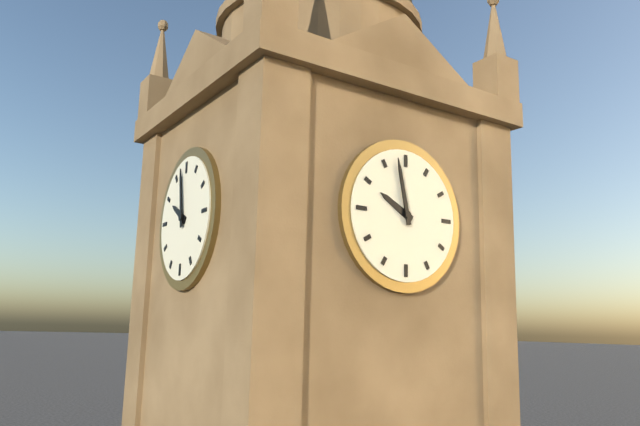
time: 9:58
